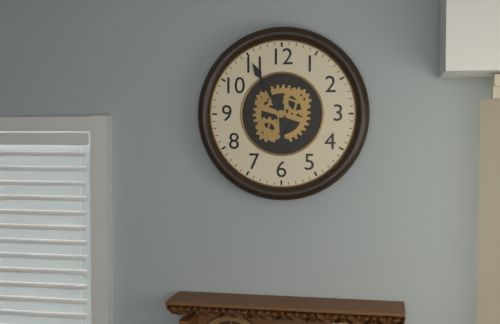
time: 5:55
